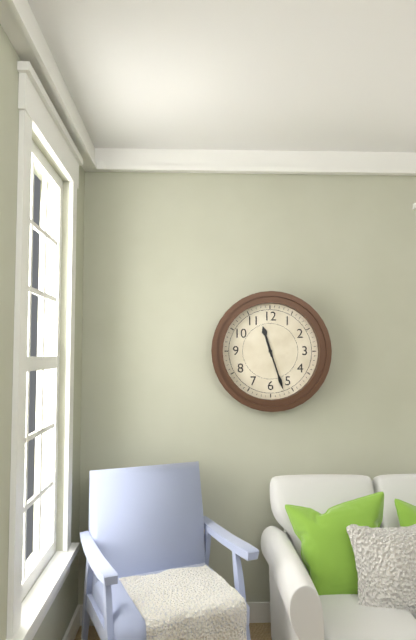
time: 11:27
